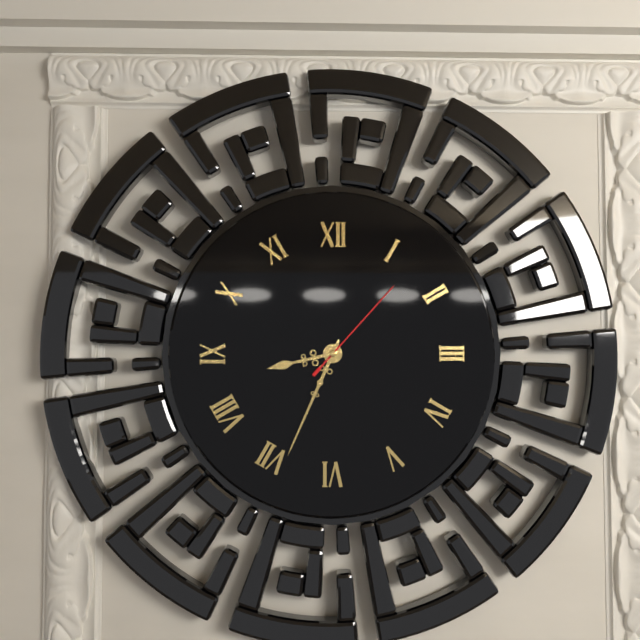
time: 8:34:07
